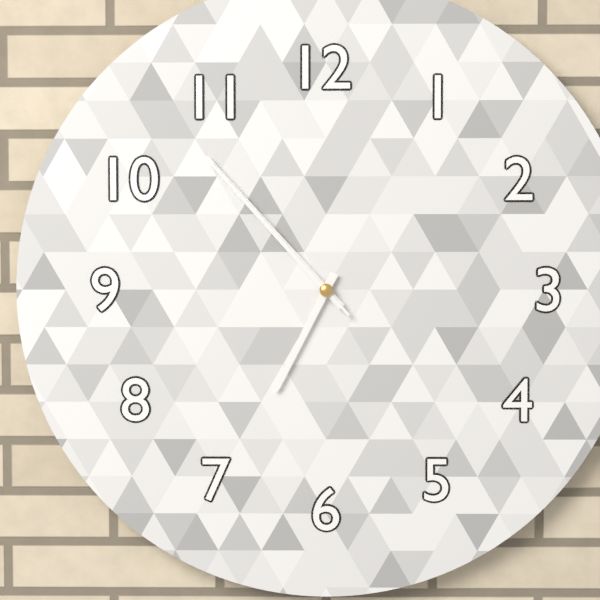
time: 6:53:53
